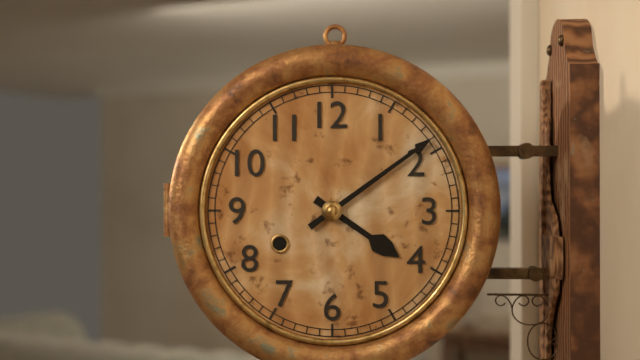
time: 4:09
